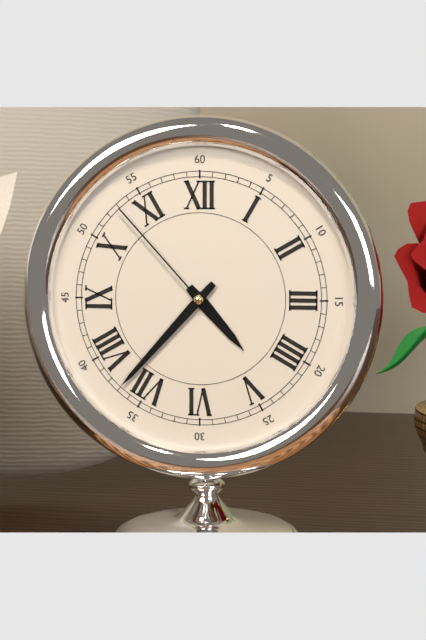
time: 4:37:53
